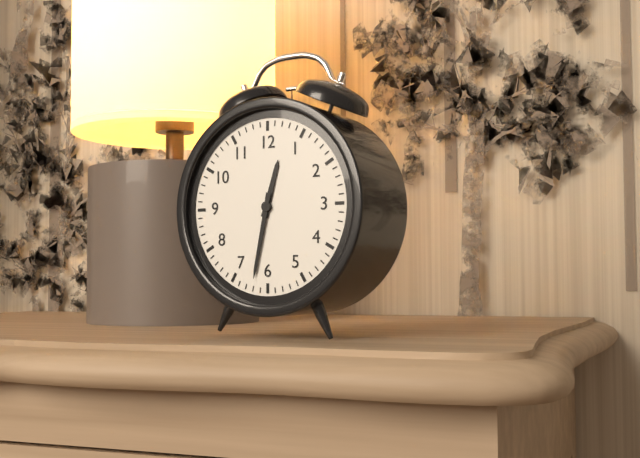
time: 12:32
